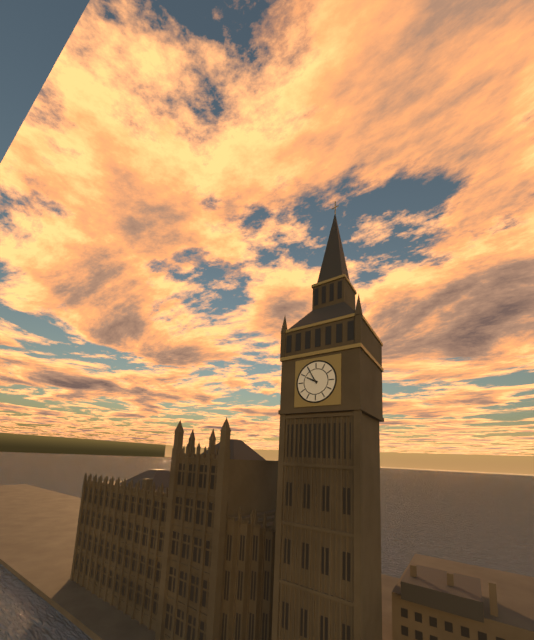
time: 9:55
